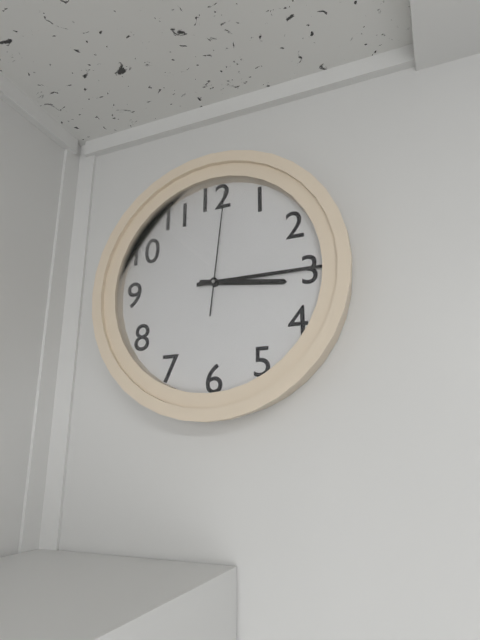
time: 3:15:01
